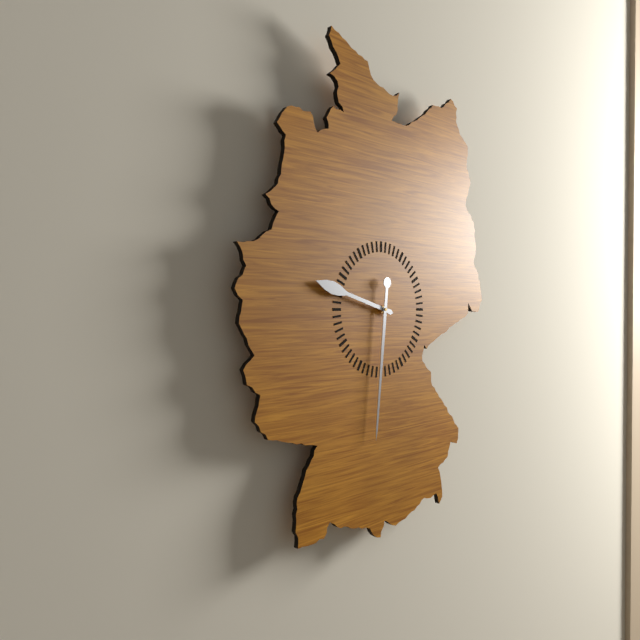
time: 9:31
